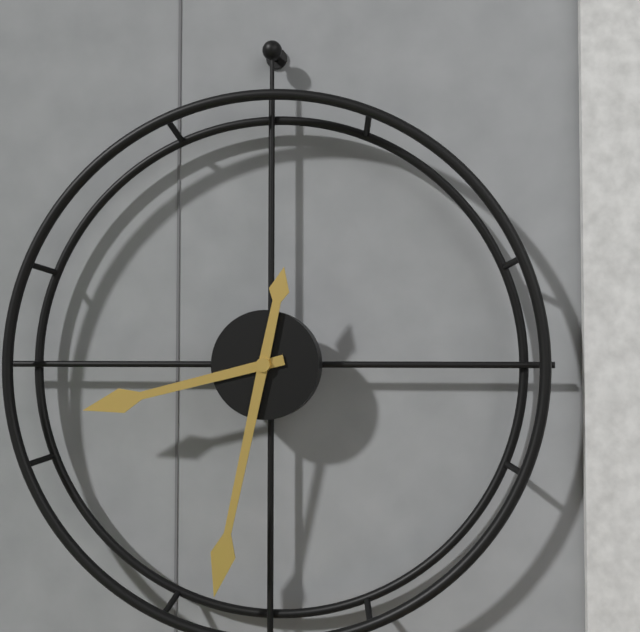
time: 8:32
